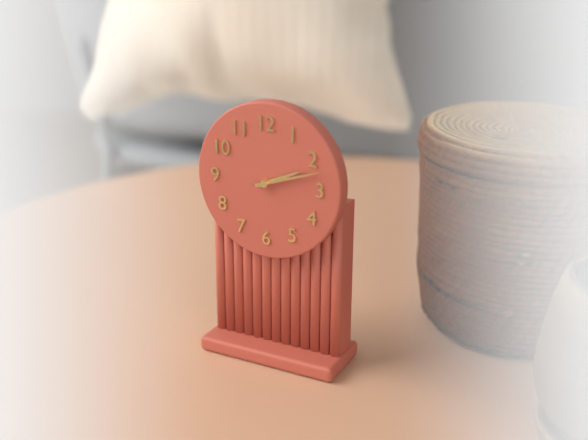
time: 2:12
